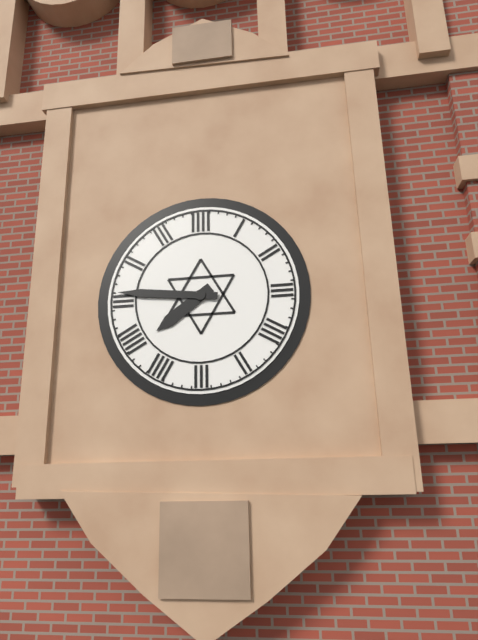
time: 7:46
